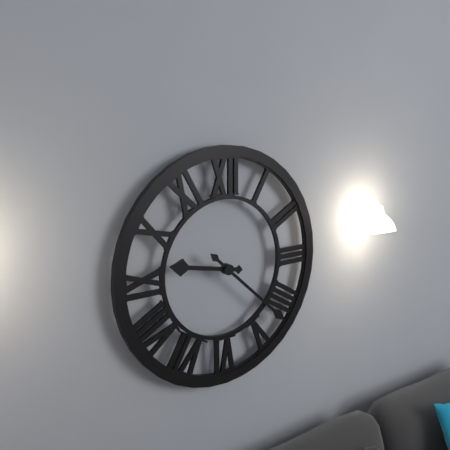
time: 9:22
